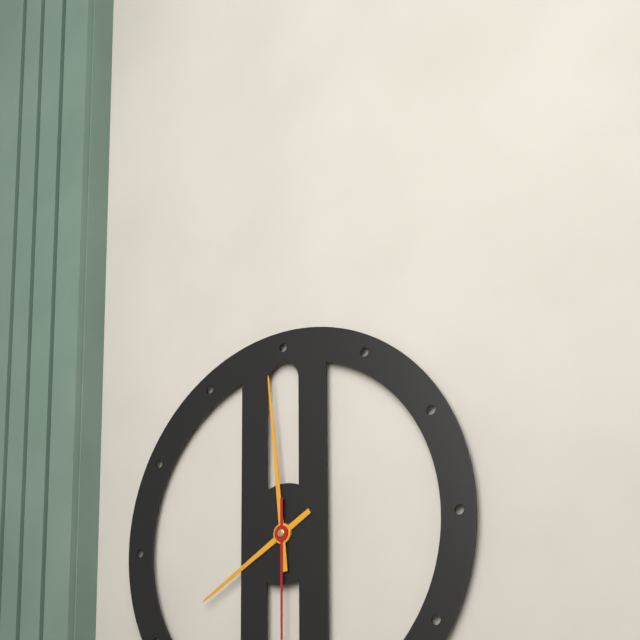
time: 7:59
